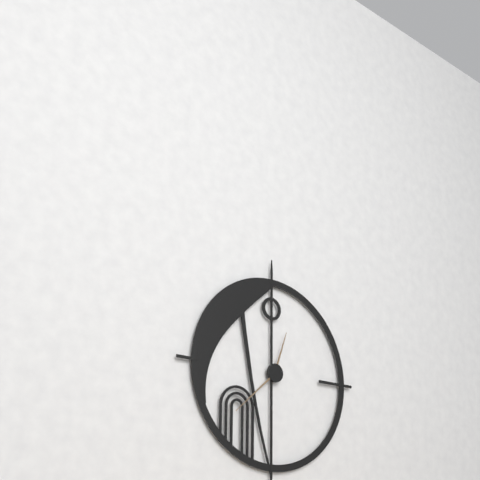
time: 12:38
